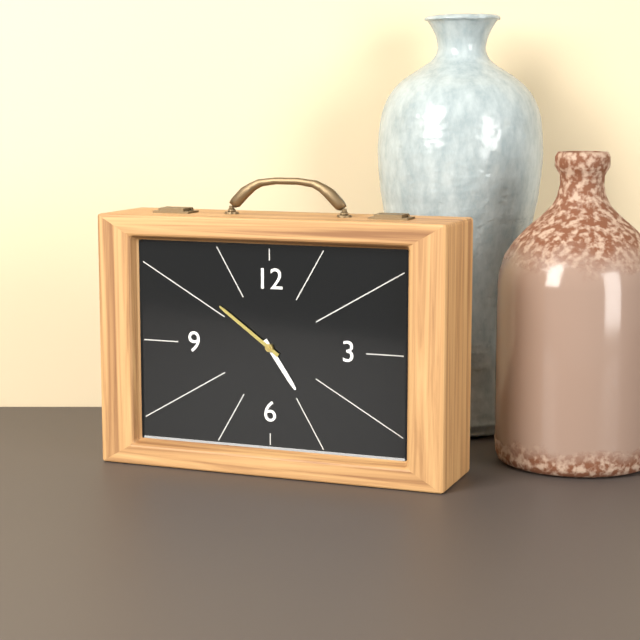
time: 4:51
